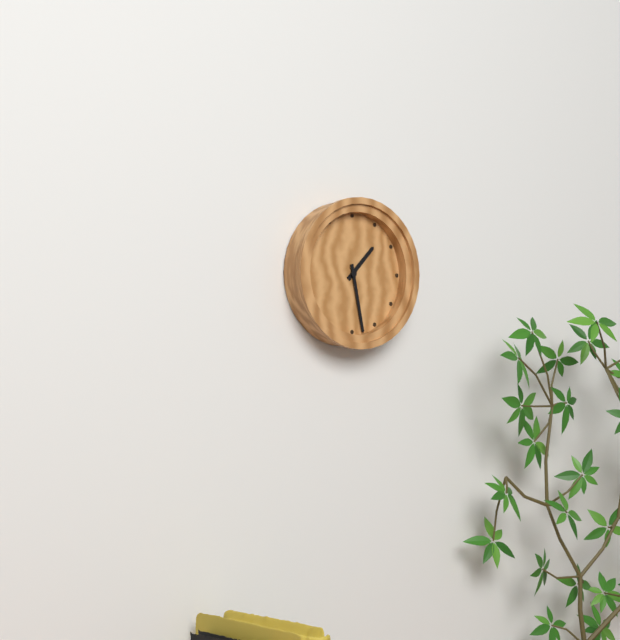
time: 1:28
